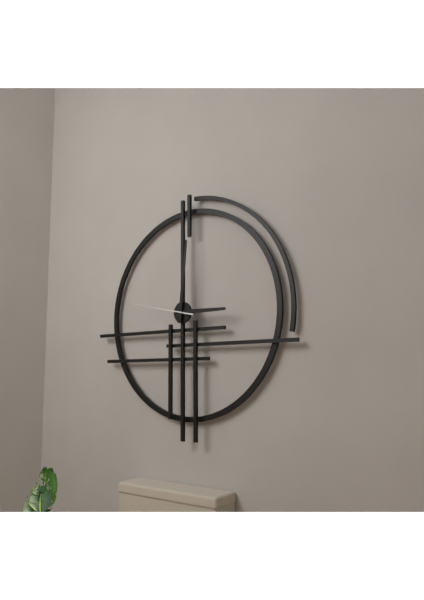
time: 3:01:47
